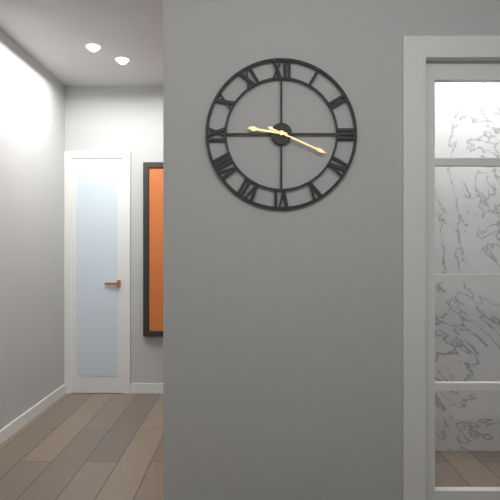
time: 9:19
